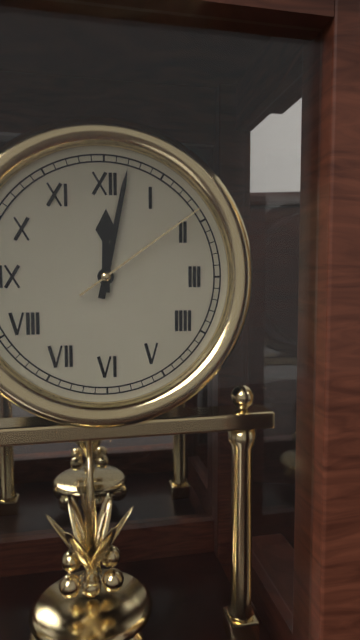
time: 12:02:09
